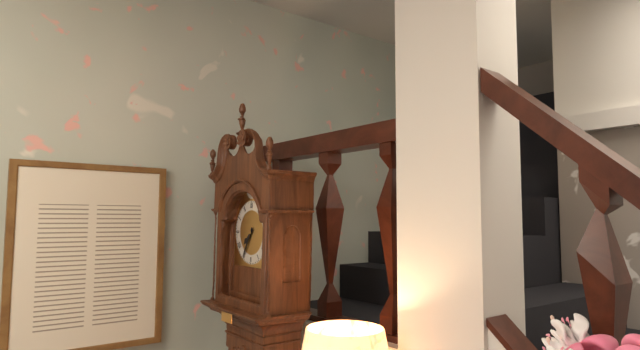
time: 7:35
